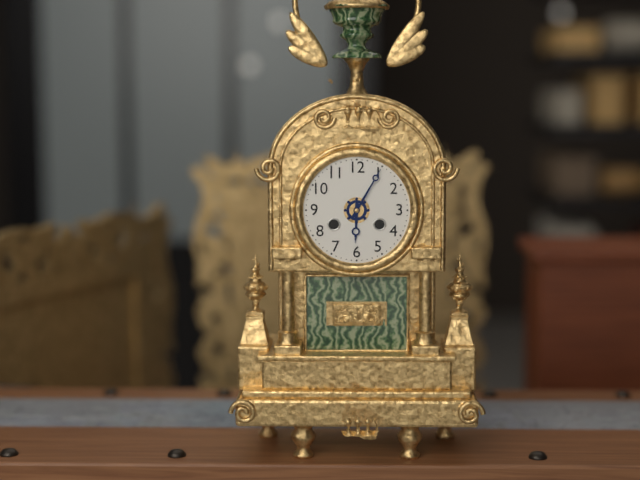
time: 6:05
